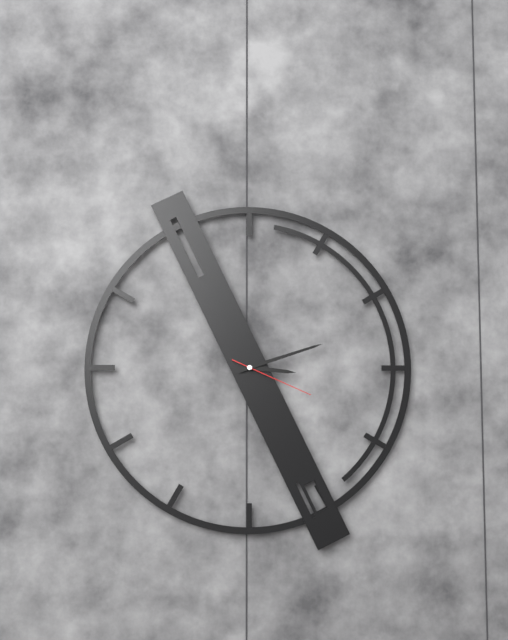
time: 3:12:19
